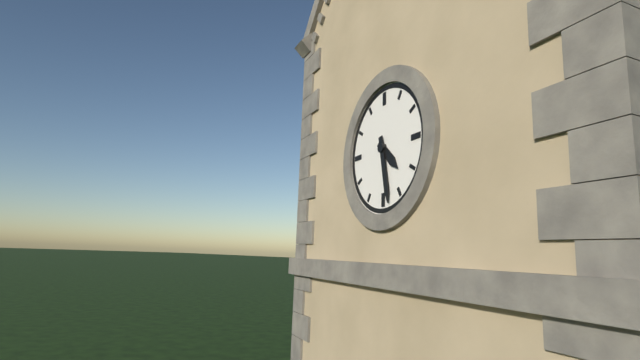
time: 4:28
